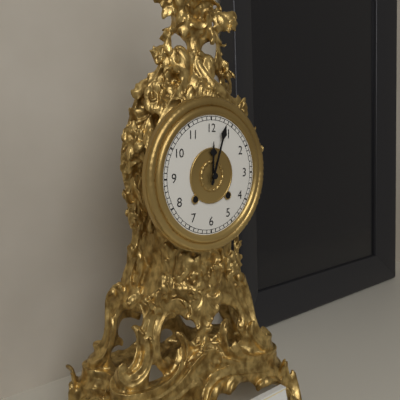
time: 12:03
